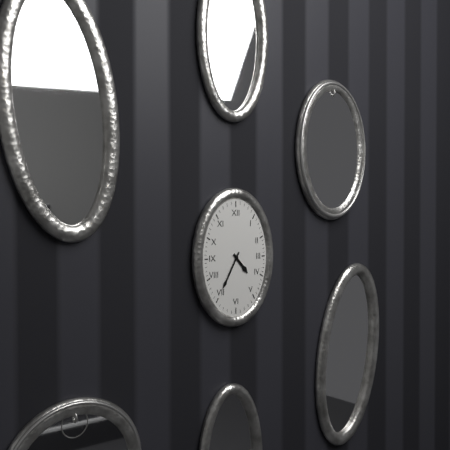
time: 4:35
